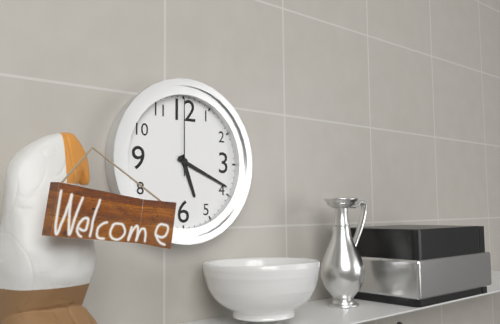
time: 5:19:00
